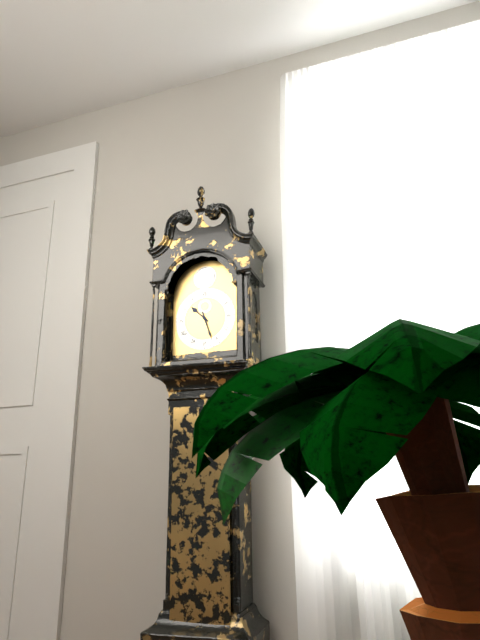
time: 10:27
